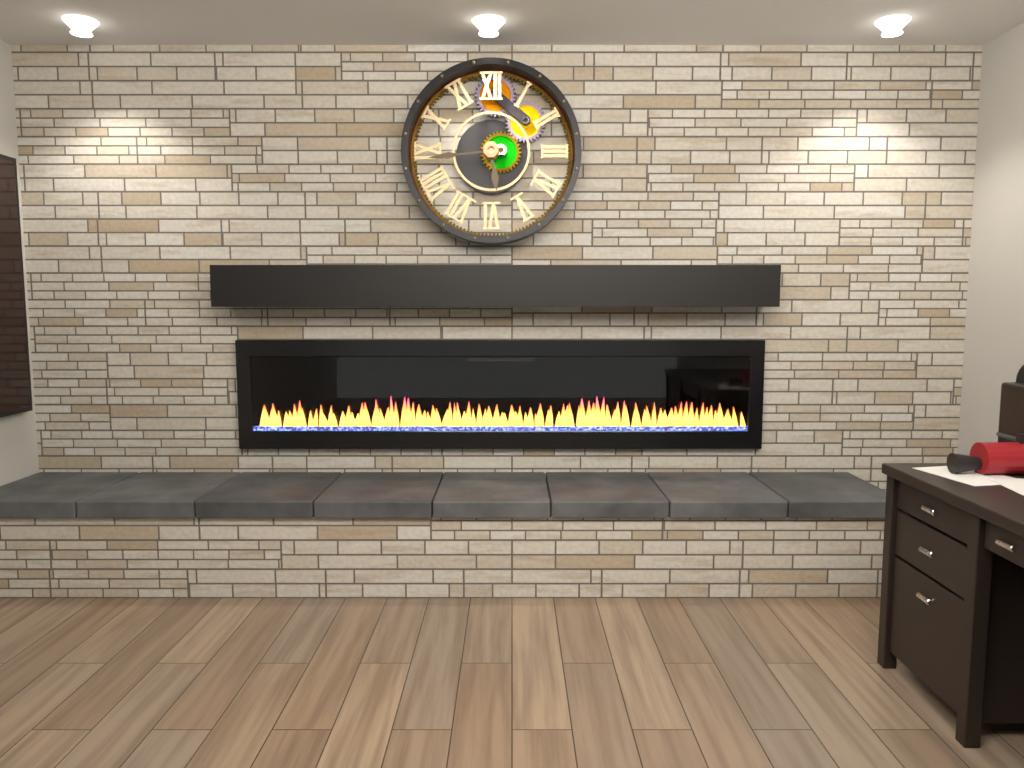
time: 5:44
